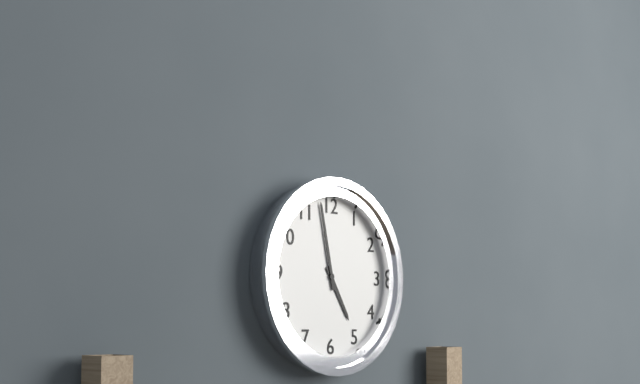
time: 4:58
